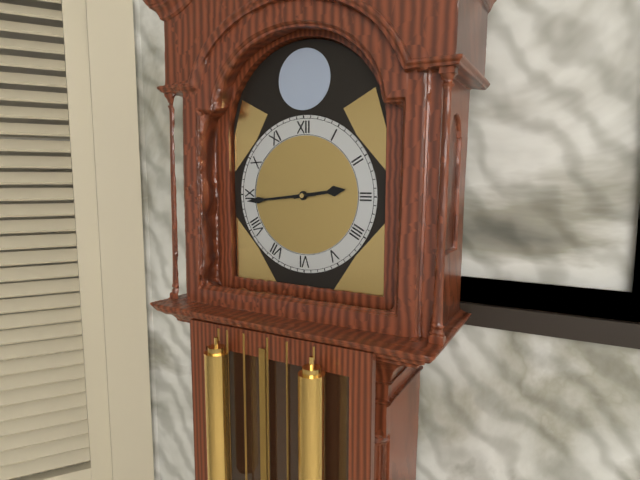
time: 2:44
